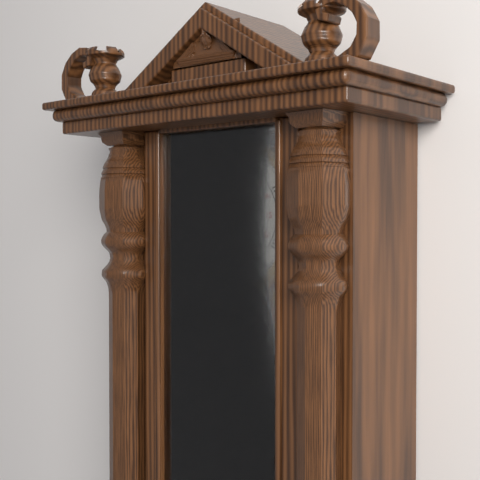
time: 7:49
